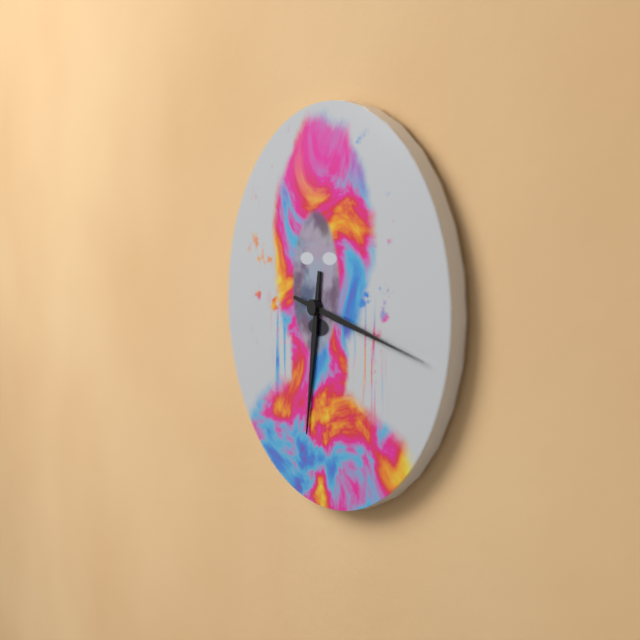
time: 6:17
